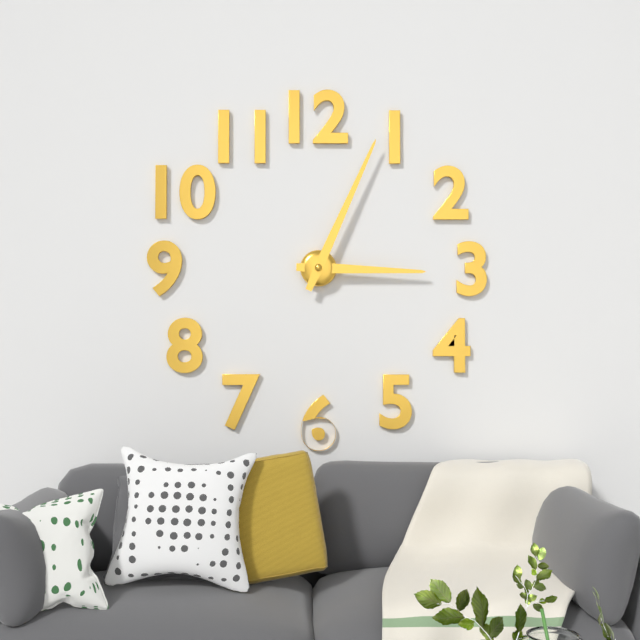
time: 3:04
